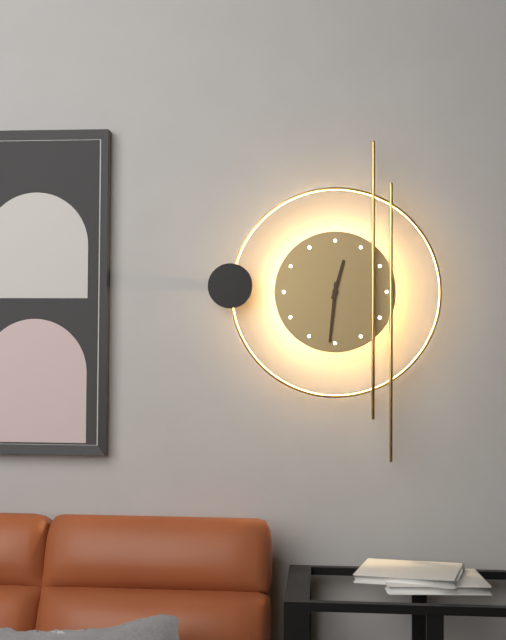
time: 12:31
